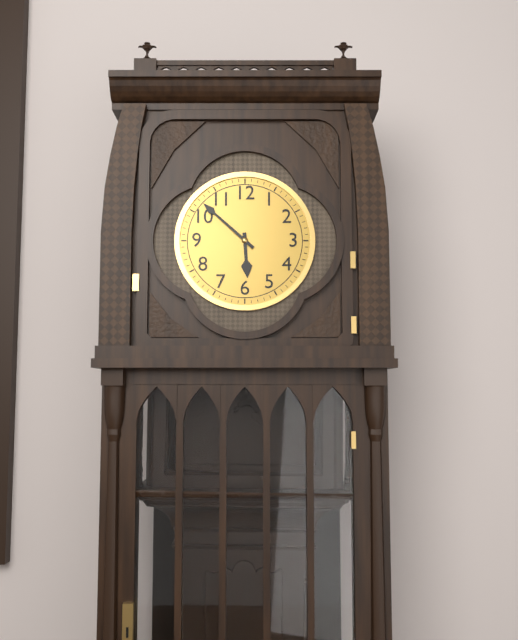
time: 5:52
